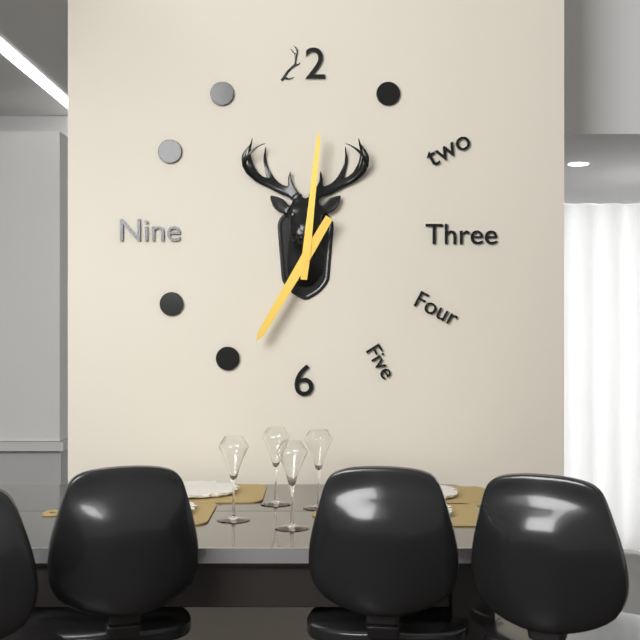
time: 7:01
